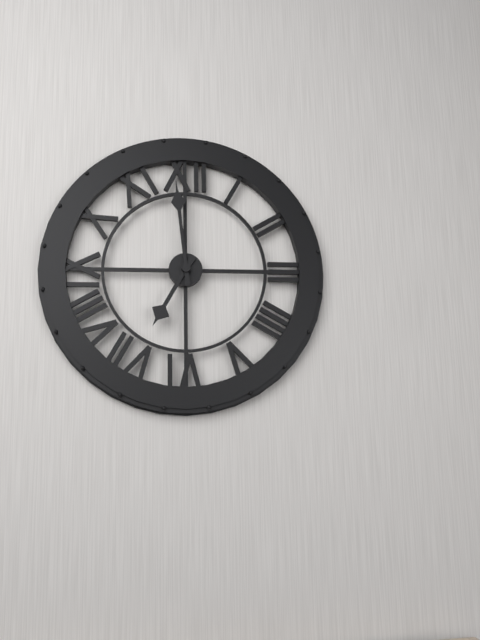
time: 6:59
